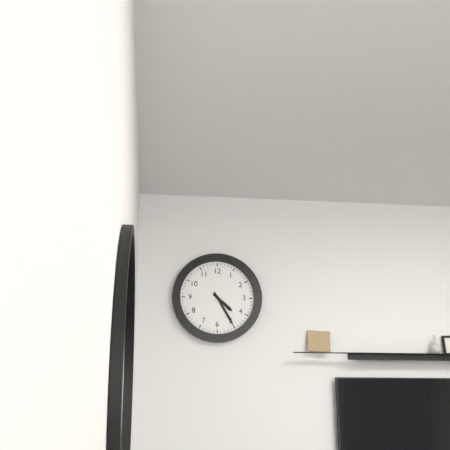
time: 4:25
